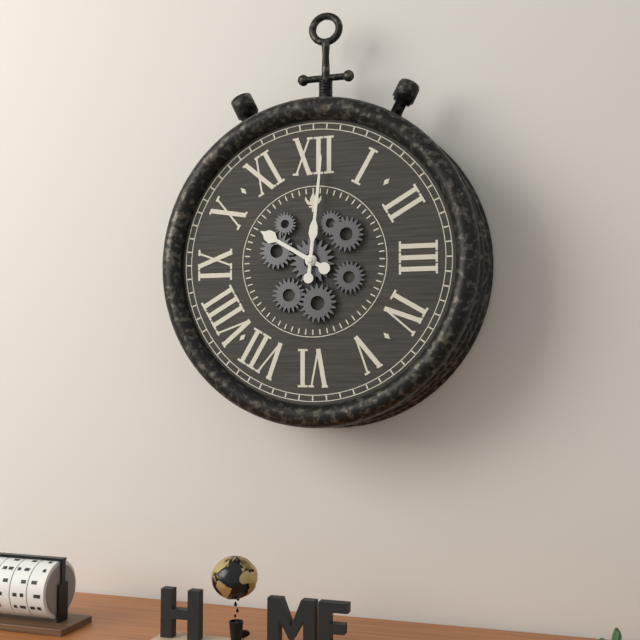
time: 10:01
